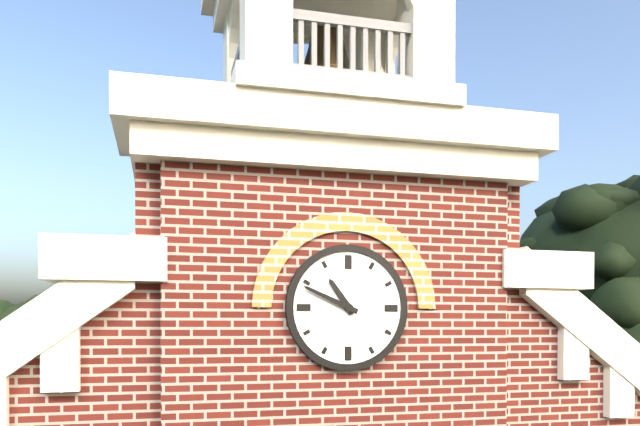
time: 10:49
